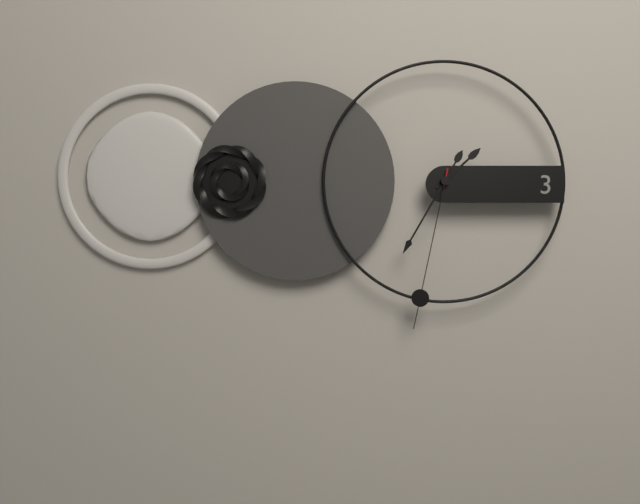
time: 1:35:32
